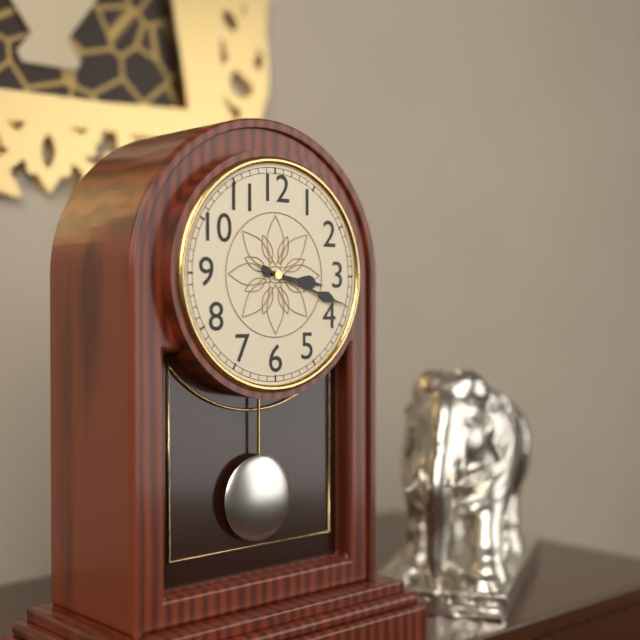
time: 3:18
